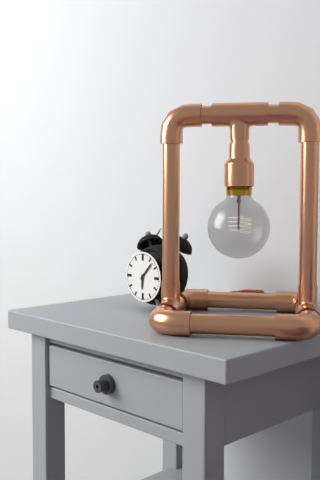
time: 6:07
